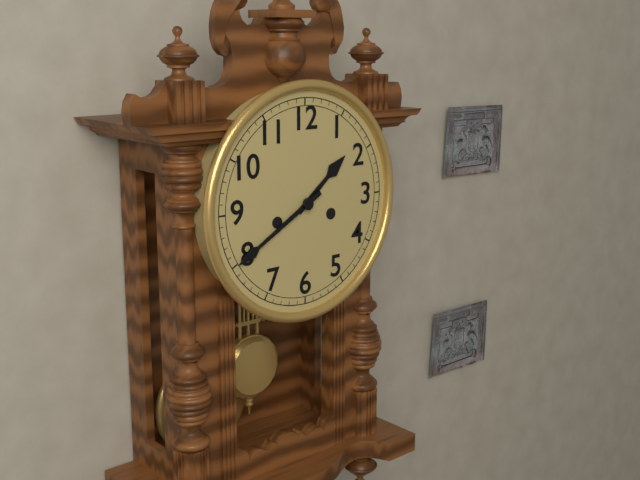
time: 1:40
